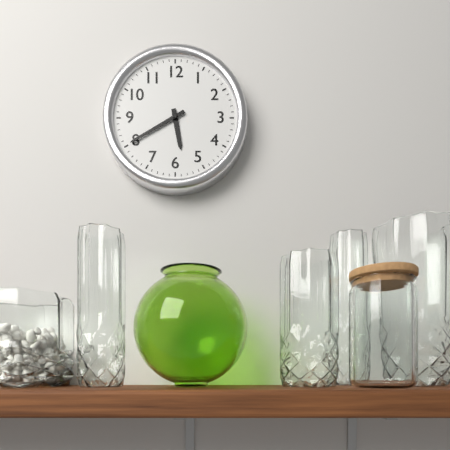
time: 5:40
